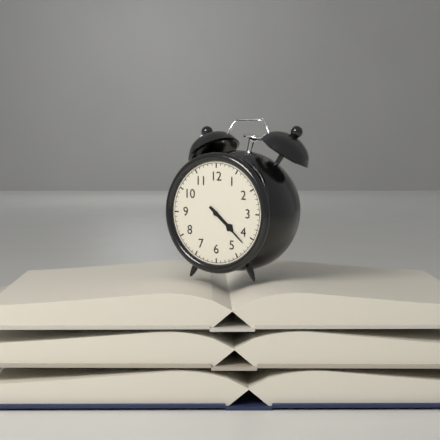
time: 4:22
